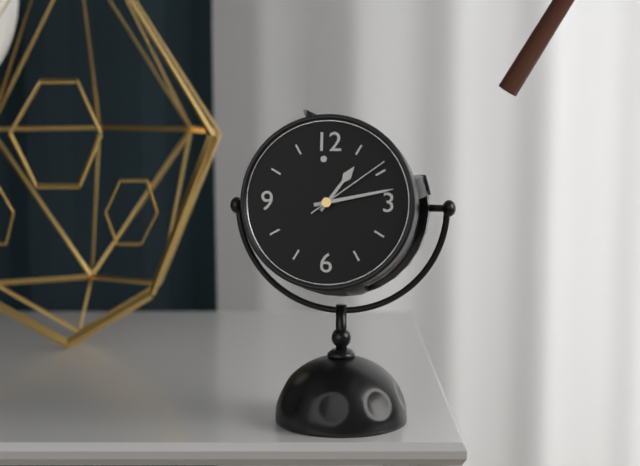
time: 1:13:09
